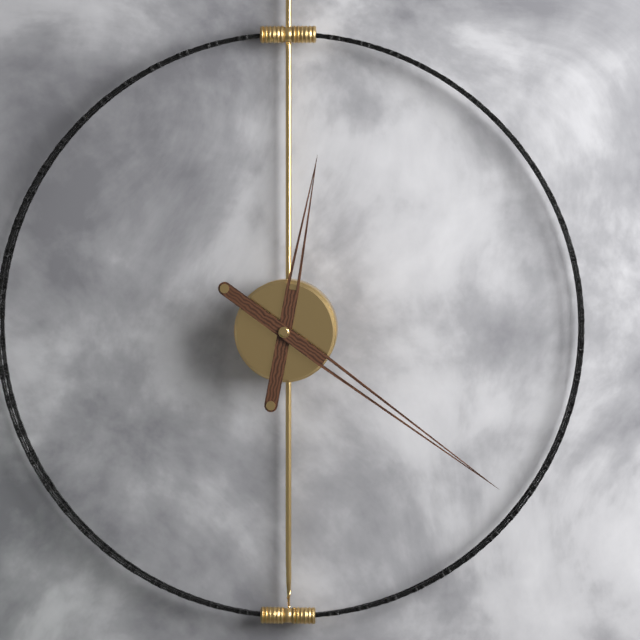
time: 12:21
